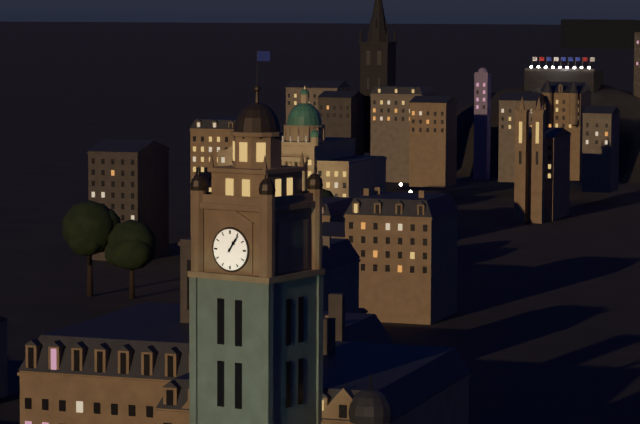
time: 1:06
